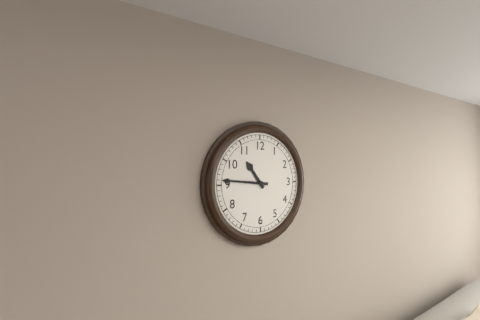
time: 10:46
